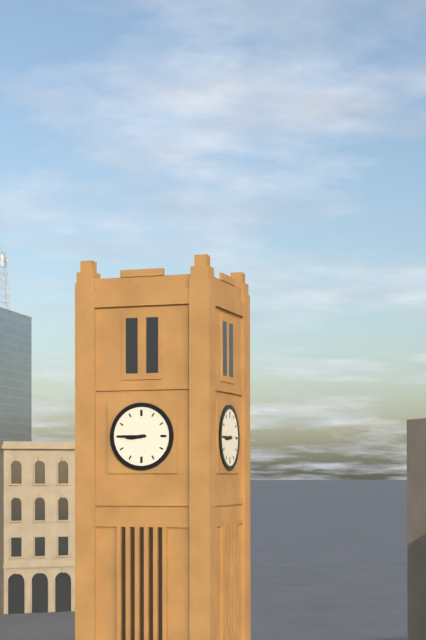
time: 8:45
